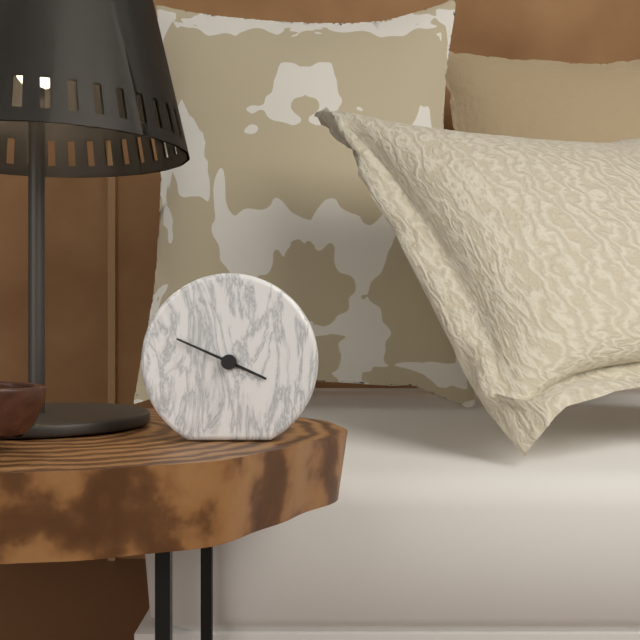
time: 3:49
